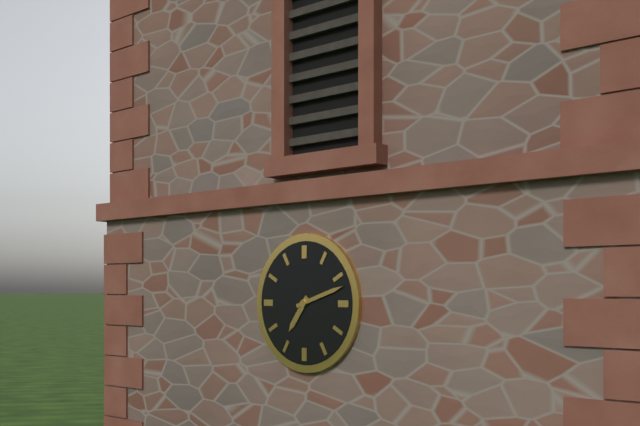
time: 7:12
